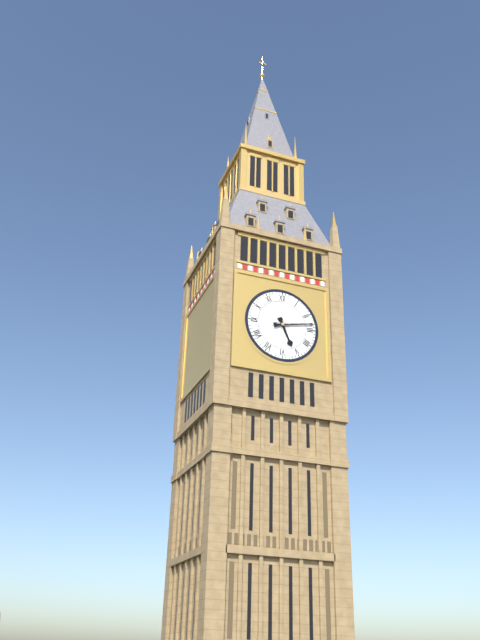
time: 5:13
